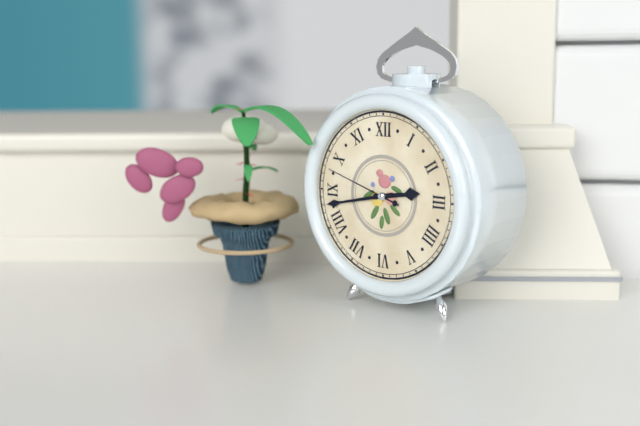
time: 2:43:48
